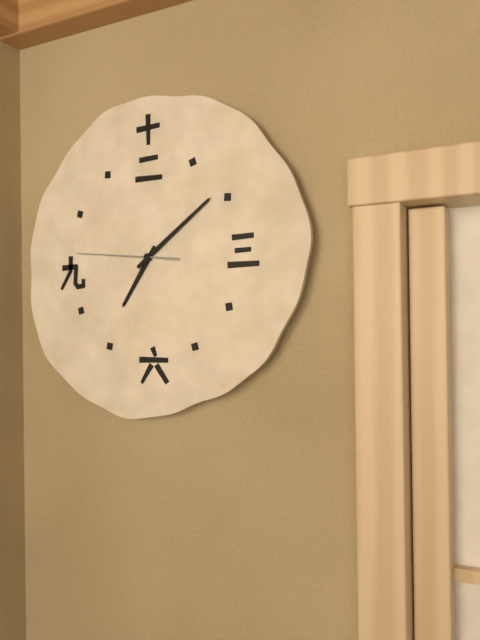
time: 7:09:46
